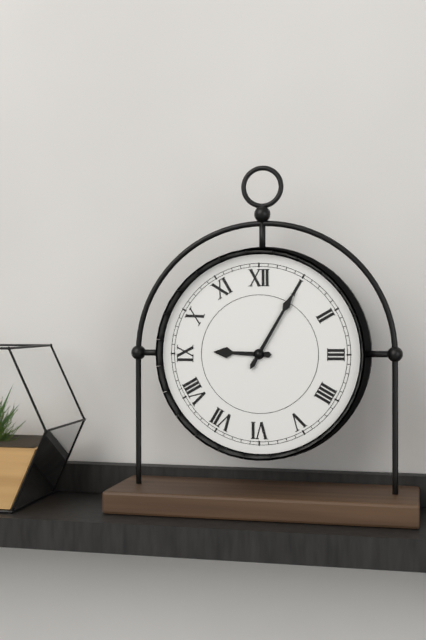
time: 9:05
